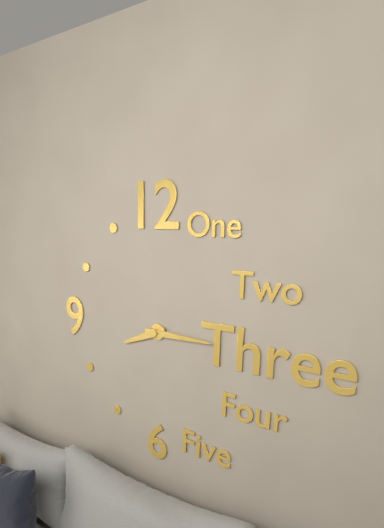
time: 8:15
